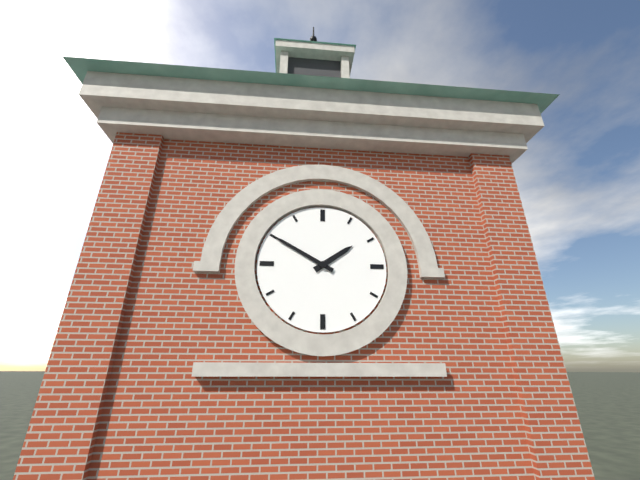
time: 1:50
